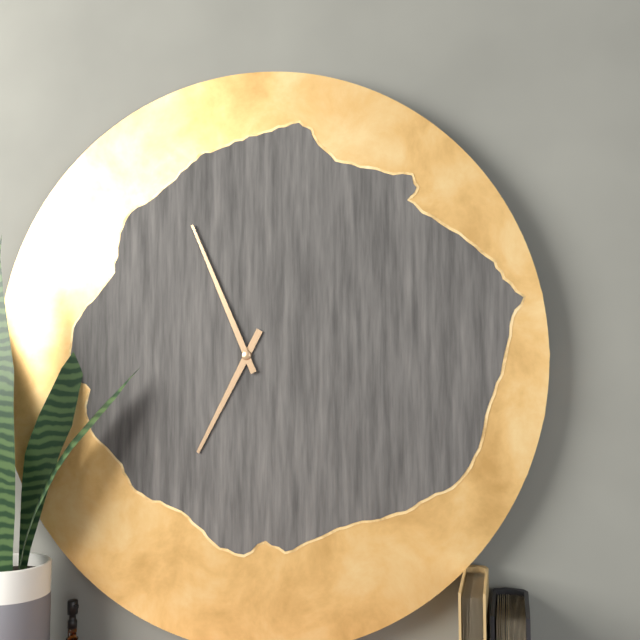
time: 6:56
